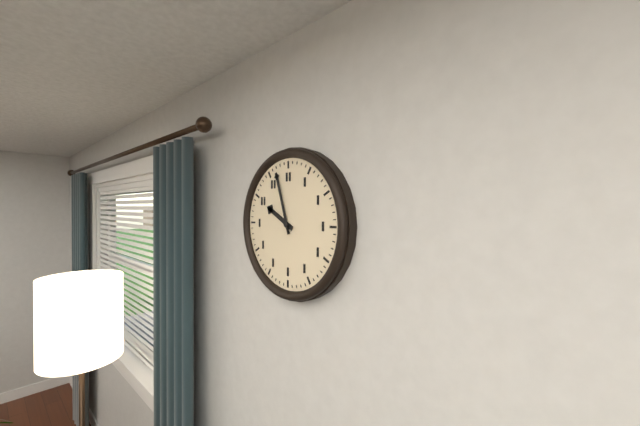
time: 9:57
